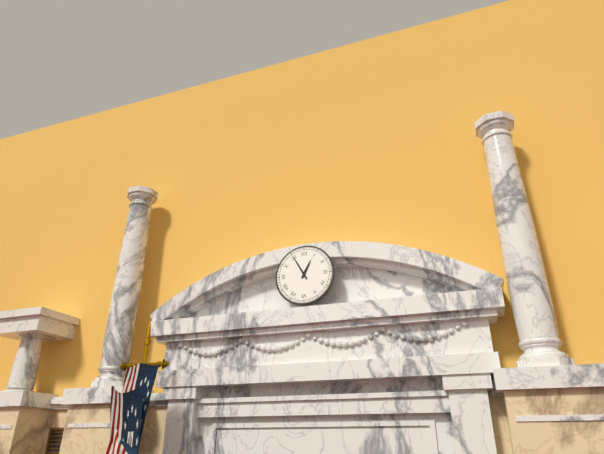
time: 12:55
